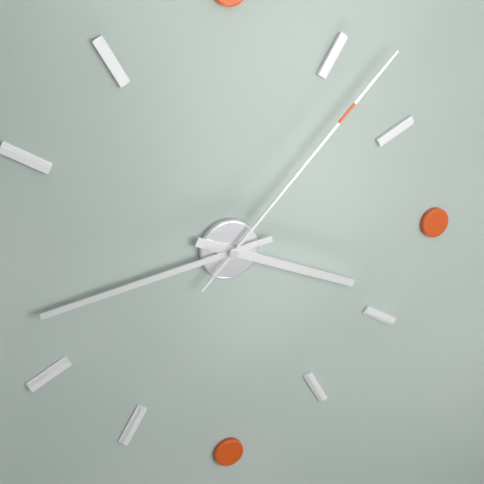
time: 3:43:07
